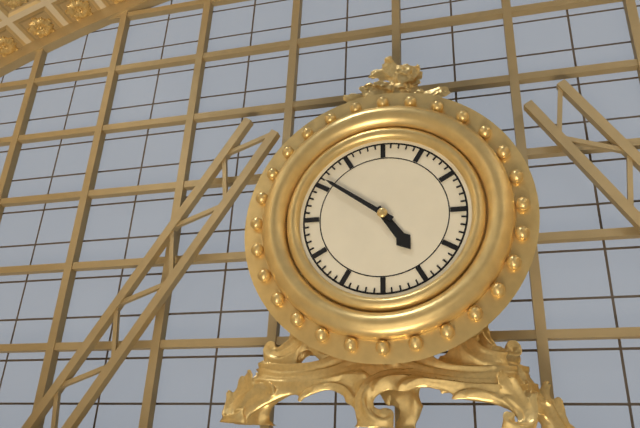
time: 4:51
